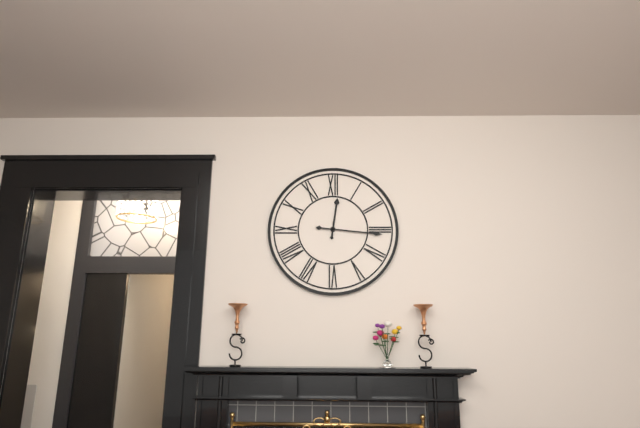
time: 12:16
